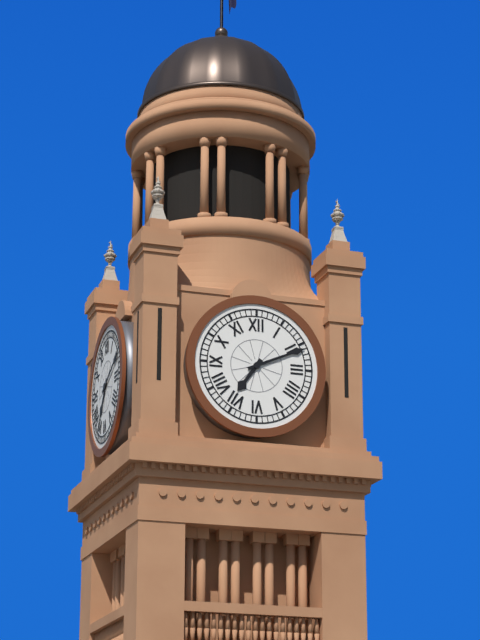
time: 7:11
